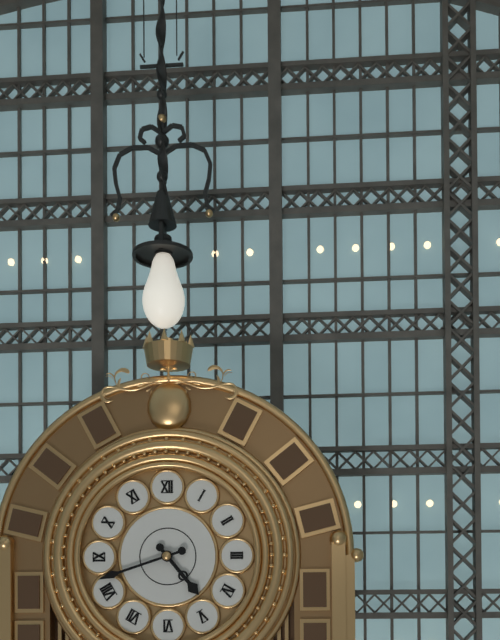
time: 4:42
